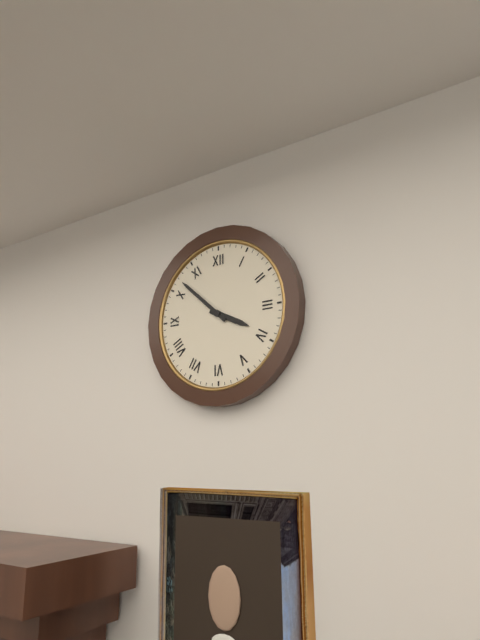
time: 3:52
